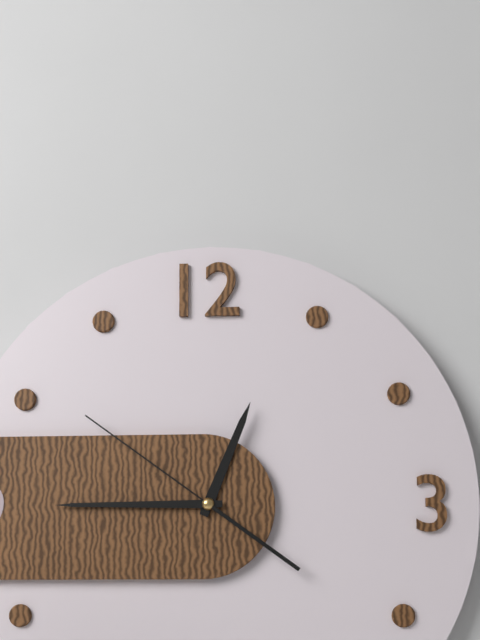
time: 12:45:51
